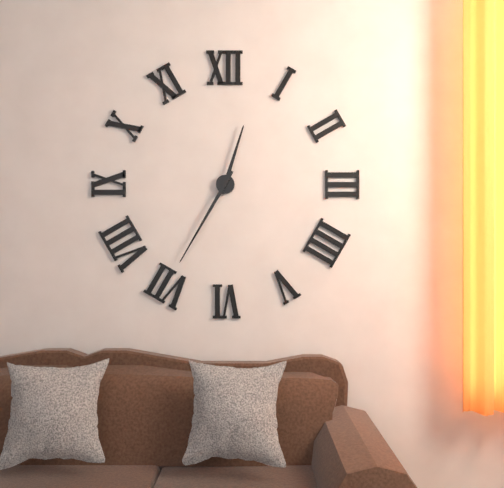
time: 12:35
